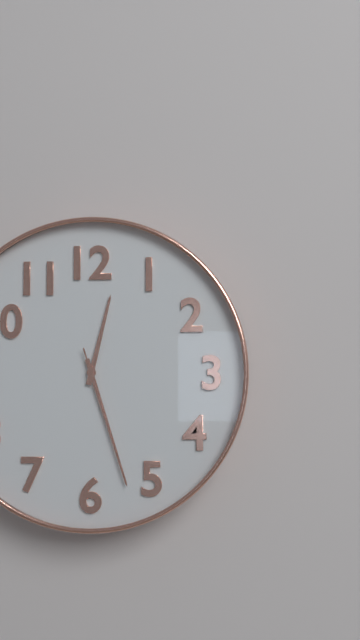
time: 12:27:27
